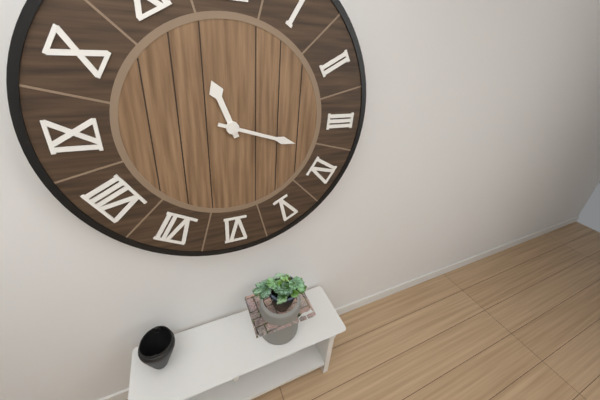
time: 11:18
